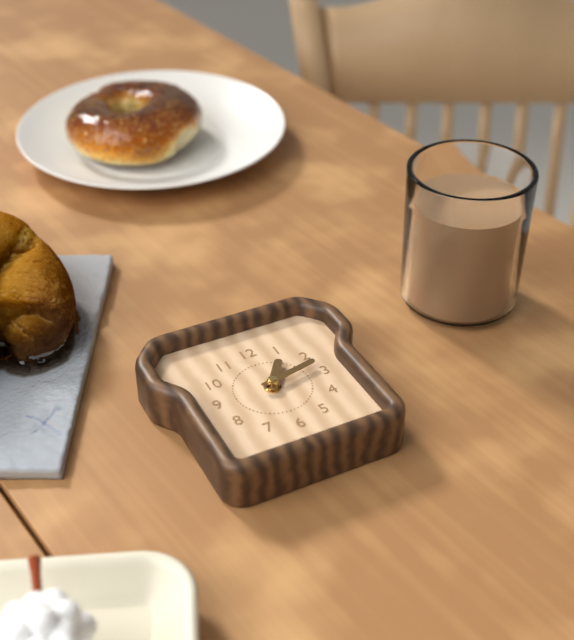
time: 1:13
